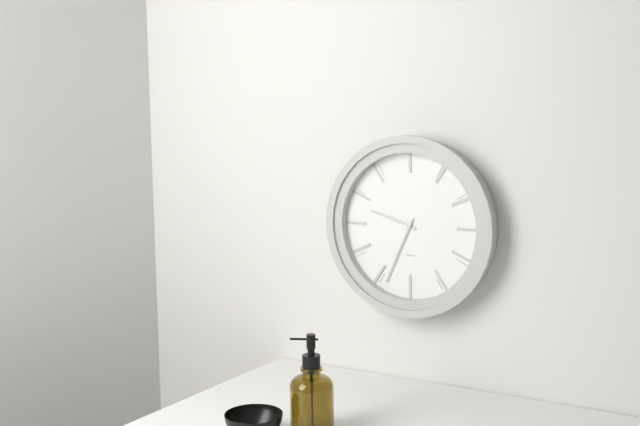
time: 9:34
